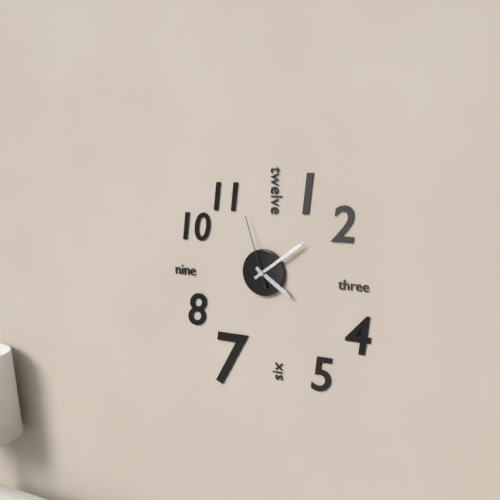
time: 4:09:57
